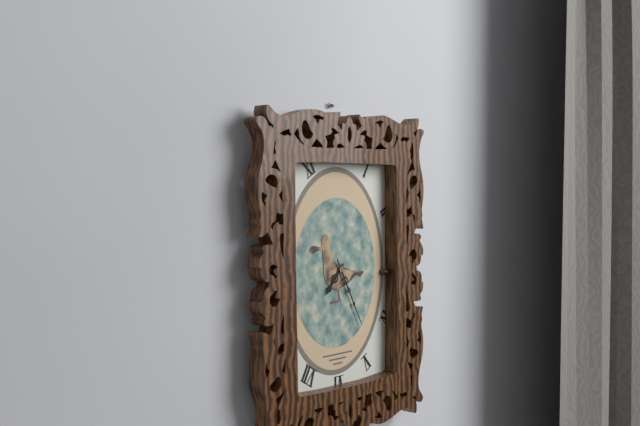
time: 7:25
